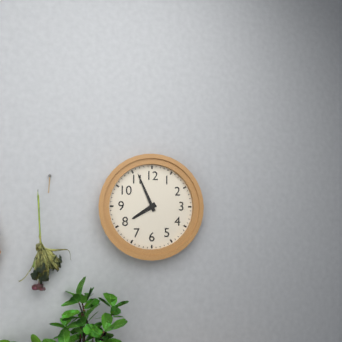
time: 7:56
